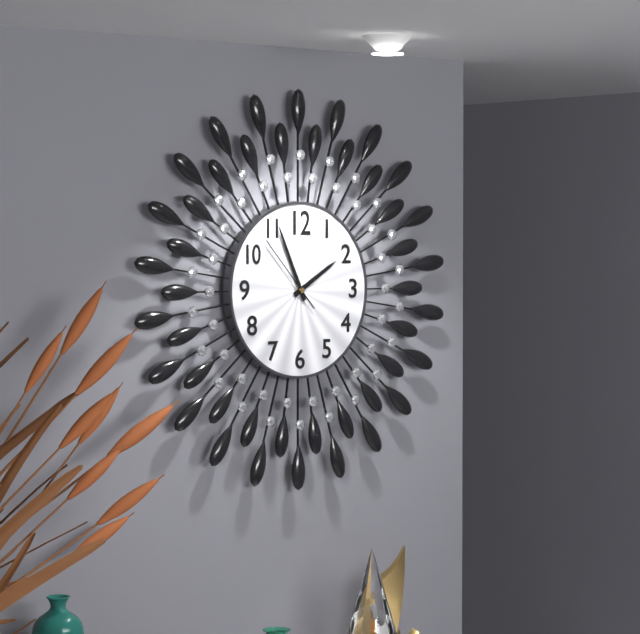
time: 1:56:53
